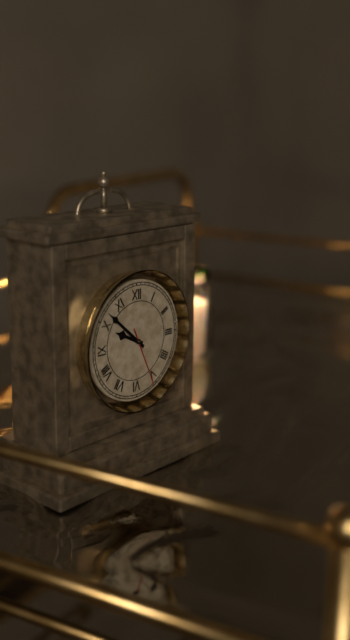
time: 9:52:26
